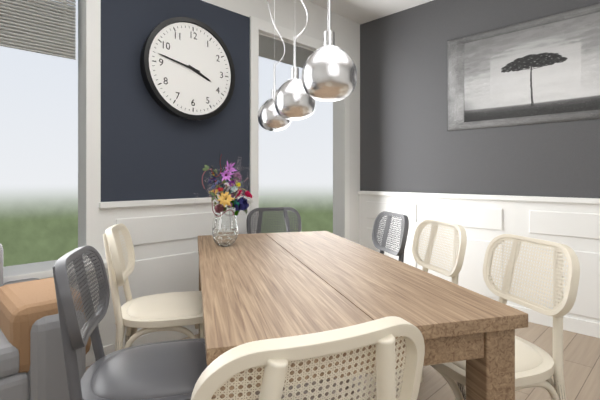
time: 3:47
